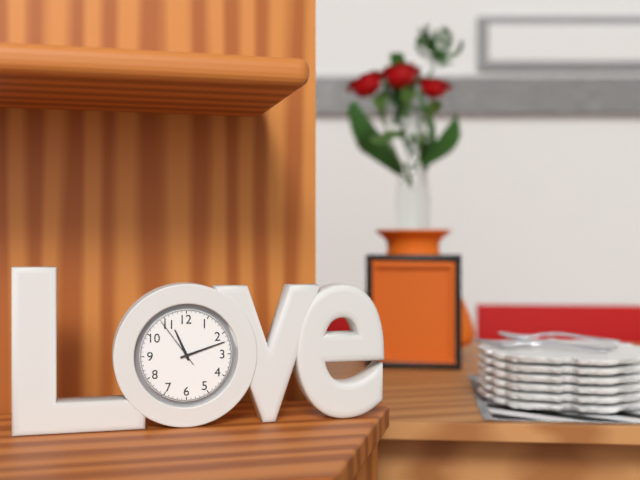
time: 11:12:54
